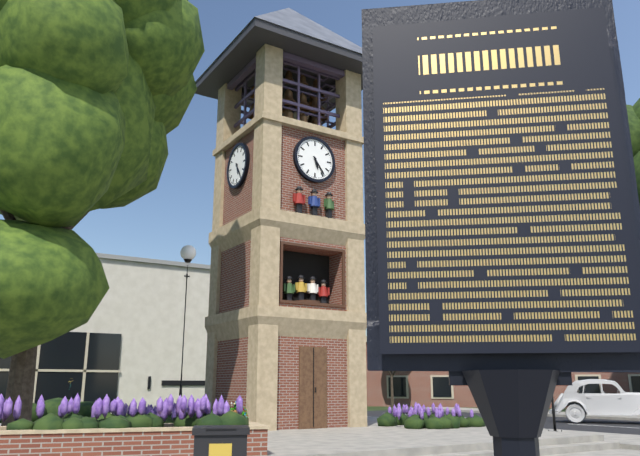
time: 5:24
